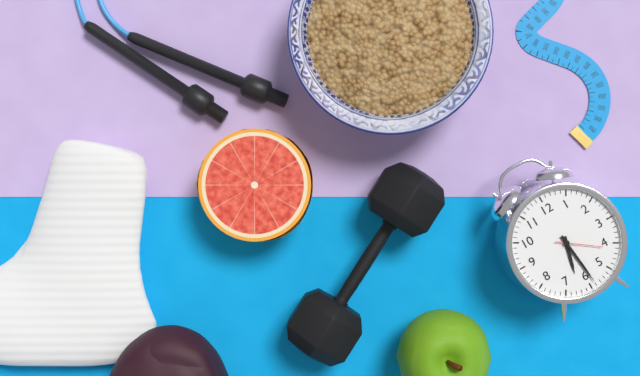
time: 6:29
